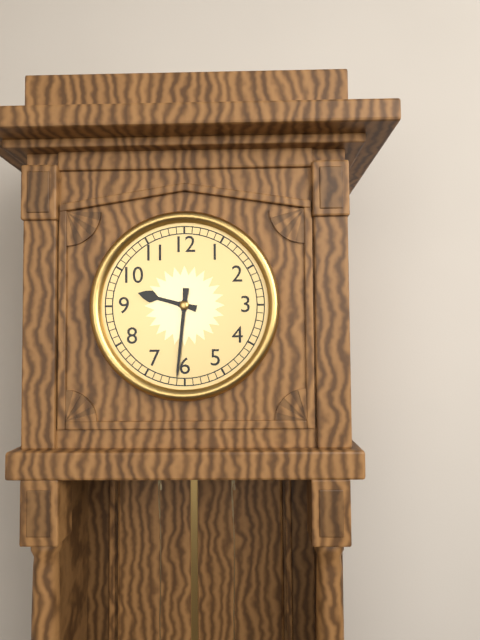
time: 9:31
